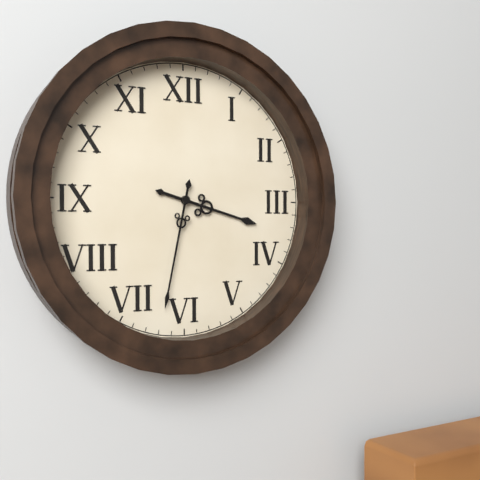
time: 3:32
